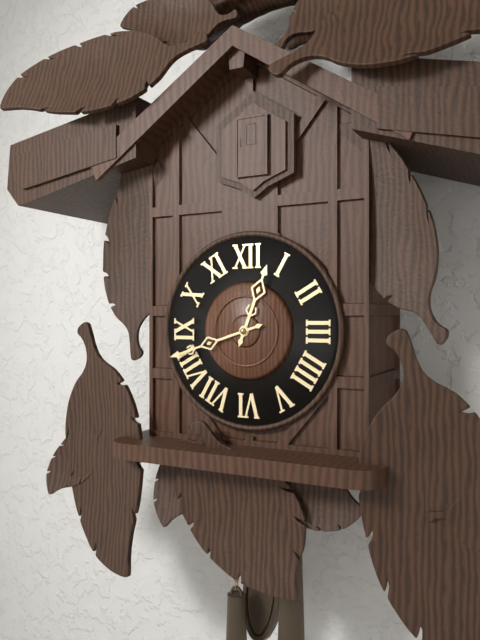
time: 12:42
